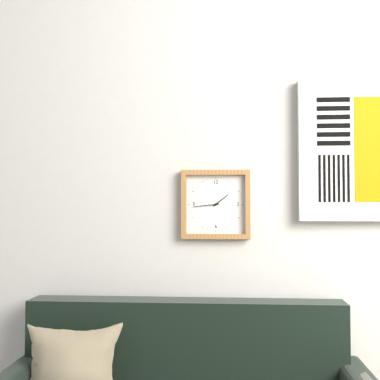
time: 1:44
